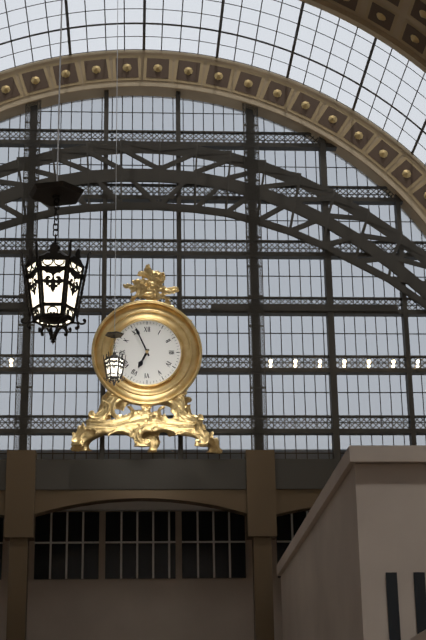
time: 6:56
